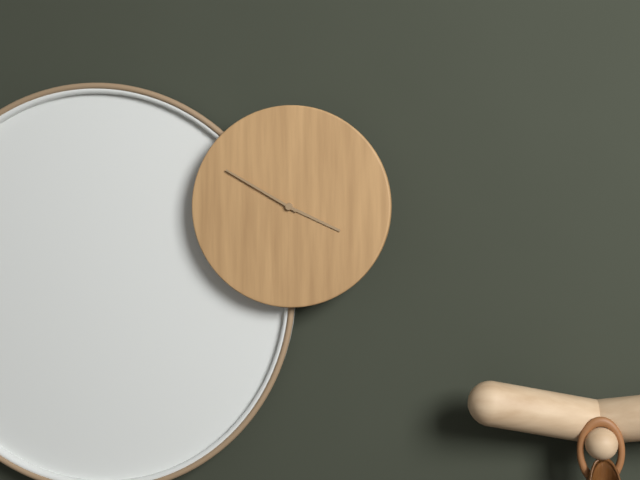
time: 3:50
